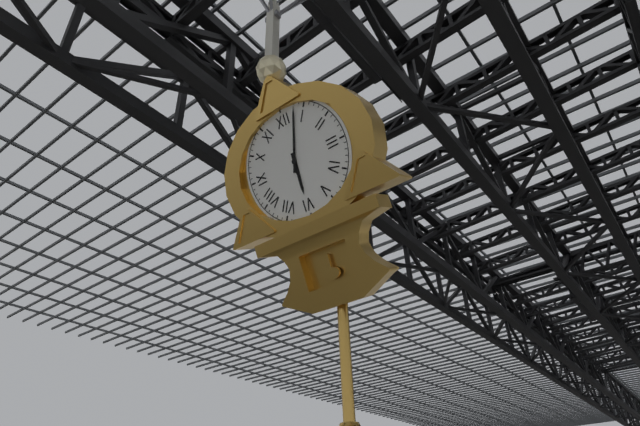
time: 6:03
